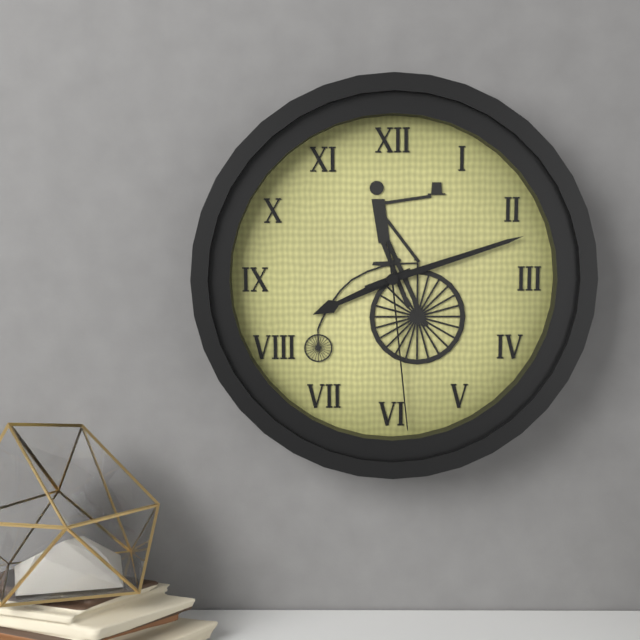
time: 8:12:29
